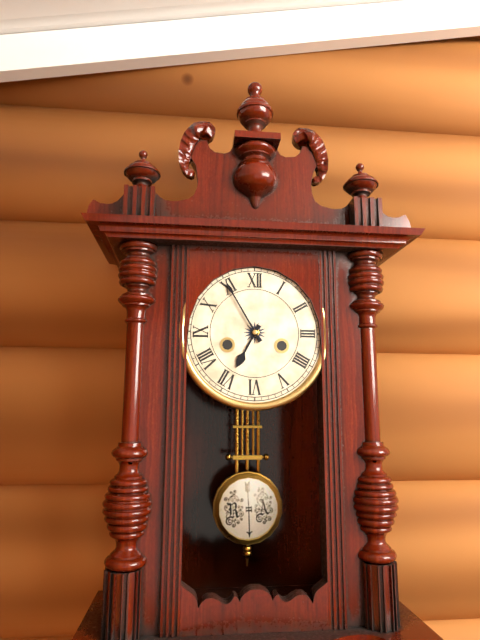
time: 6:55
